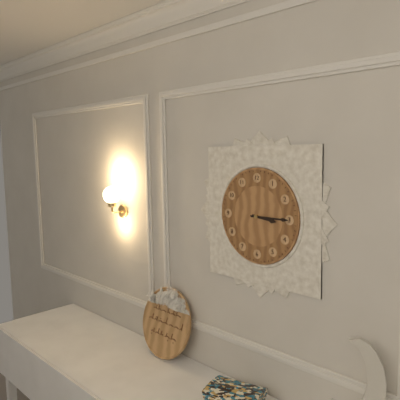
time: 3:15
